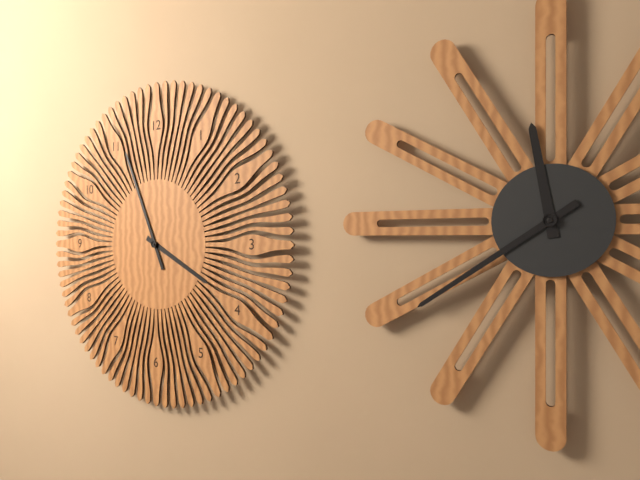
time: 3:56
